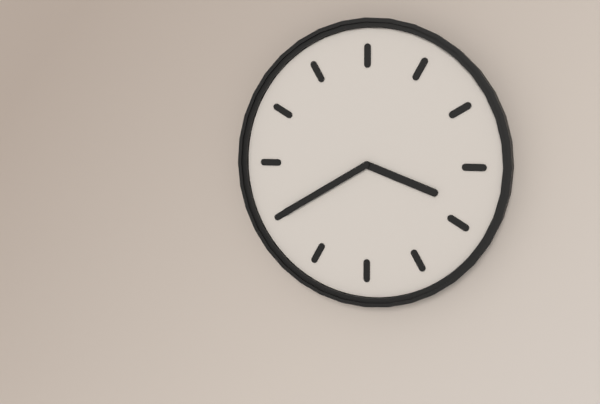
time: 3:40
